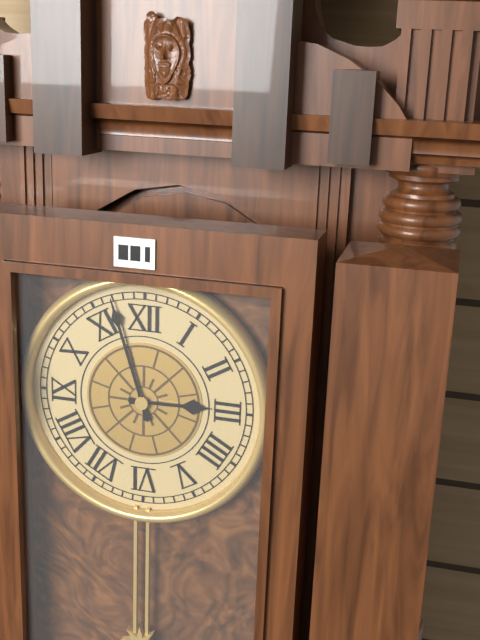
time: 2:57
